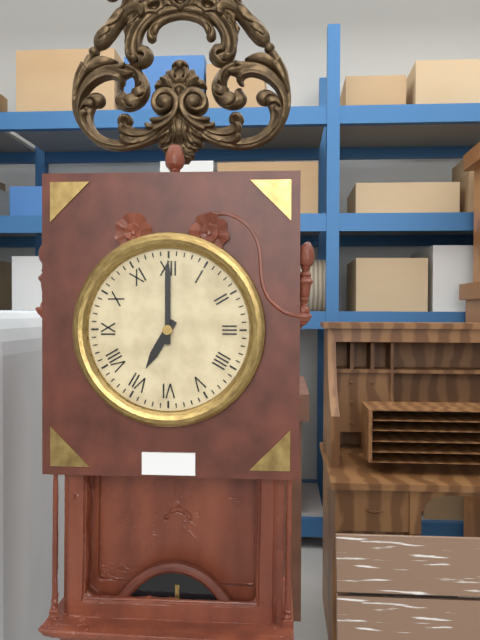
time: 7:00
